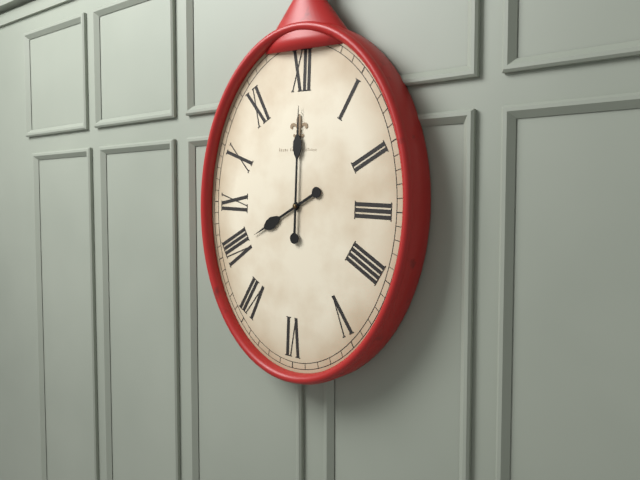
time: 8:00
